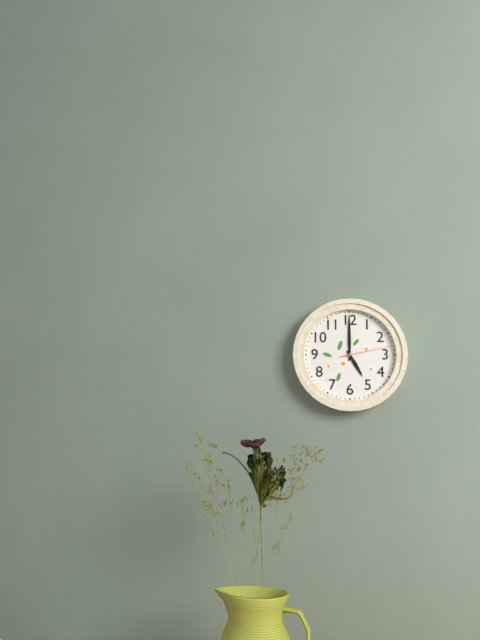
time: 5:00:13
